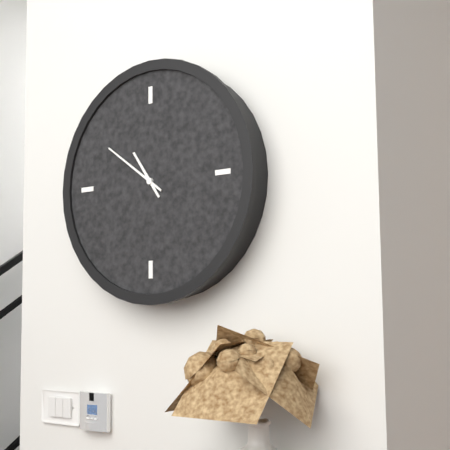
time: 10:51
